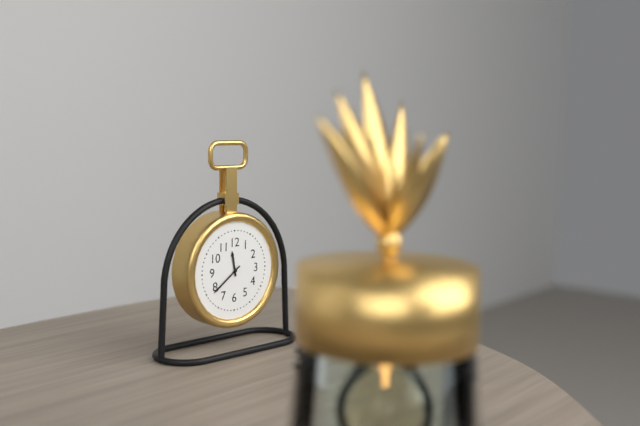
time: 11:39
